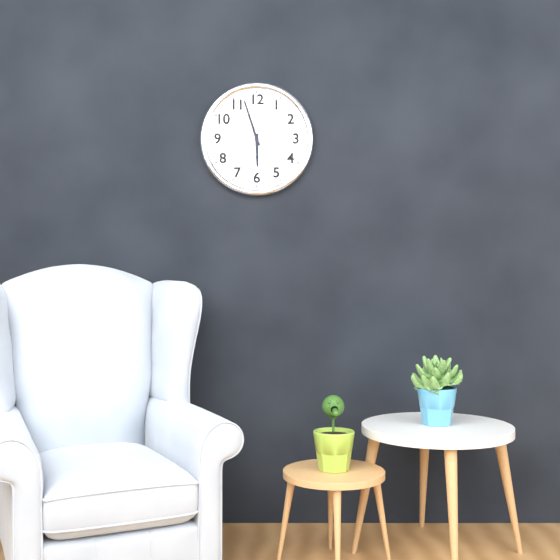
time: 5:57
